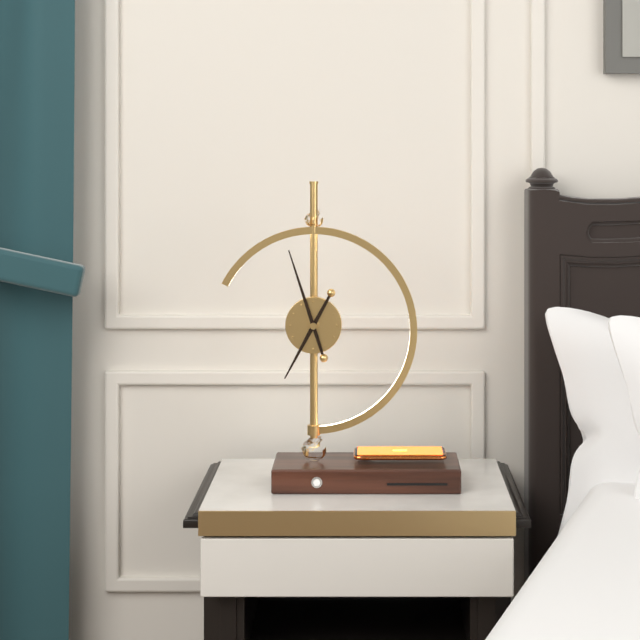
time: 6:57
